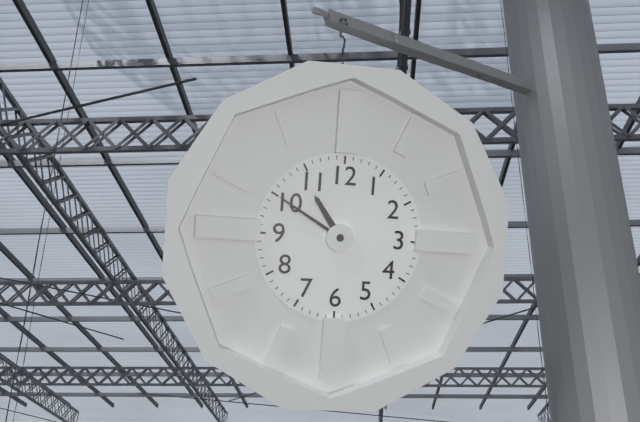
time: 10:50
